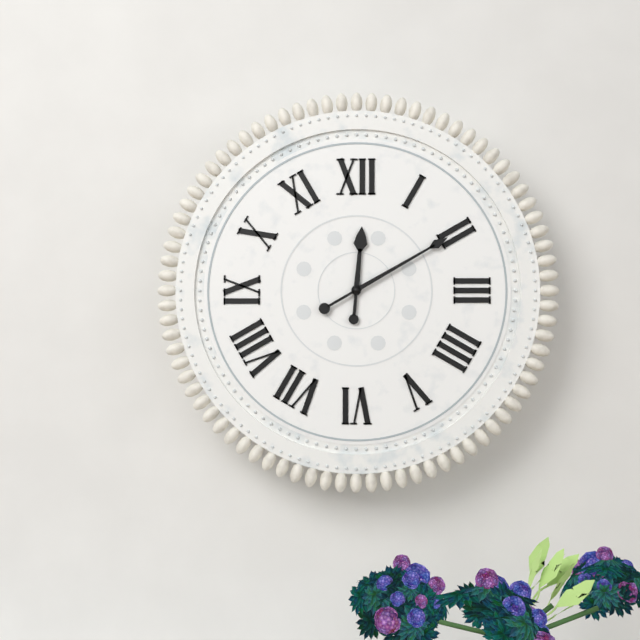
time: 12:10
